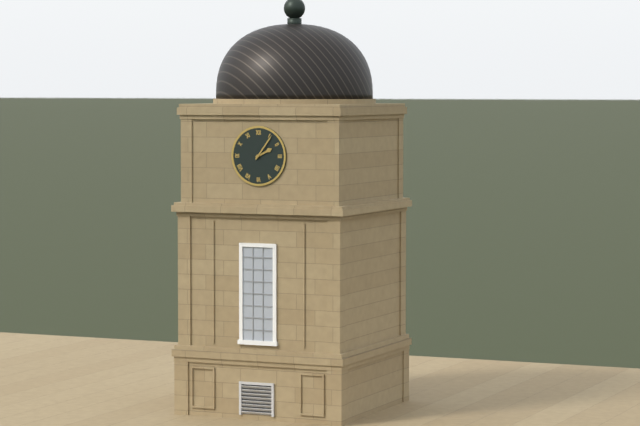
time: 2:06
